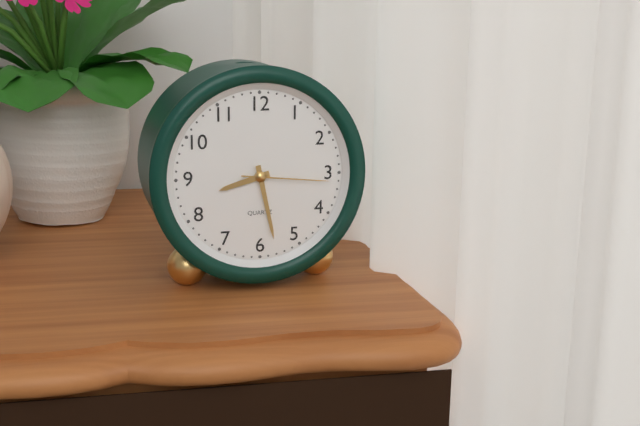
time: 8:28:16
